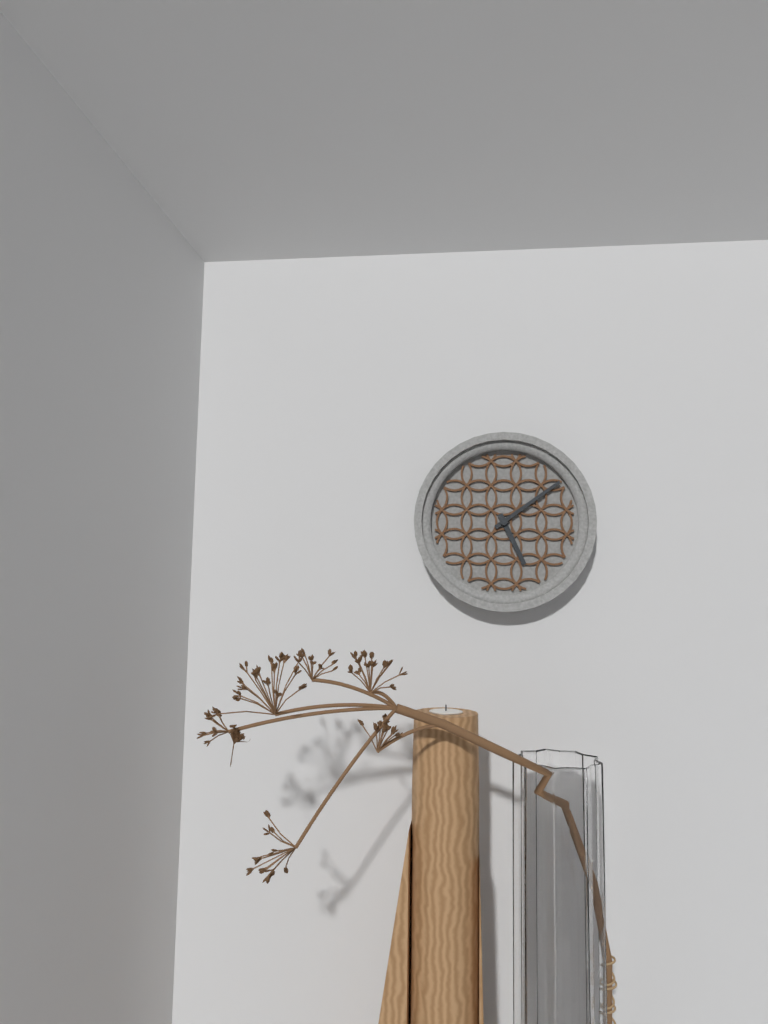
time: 5:09
